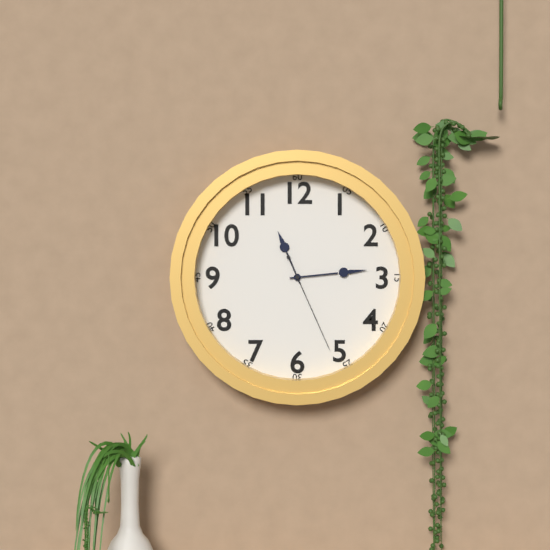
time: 11:14:26
